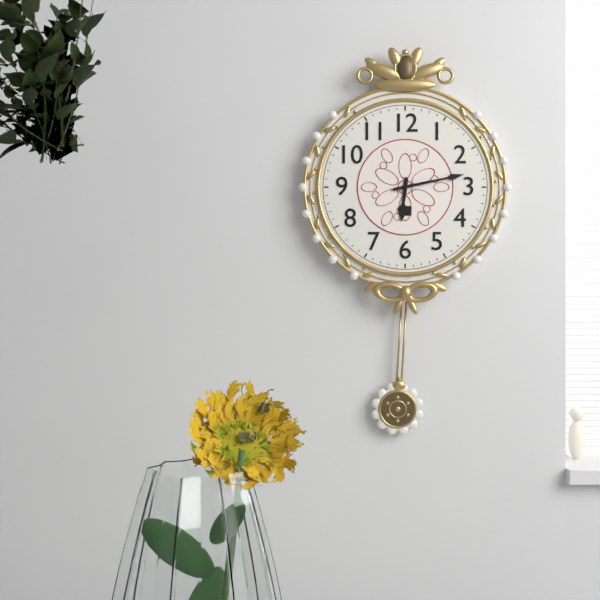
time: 6:13
